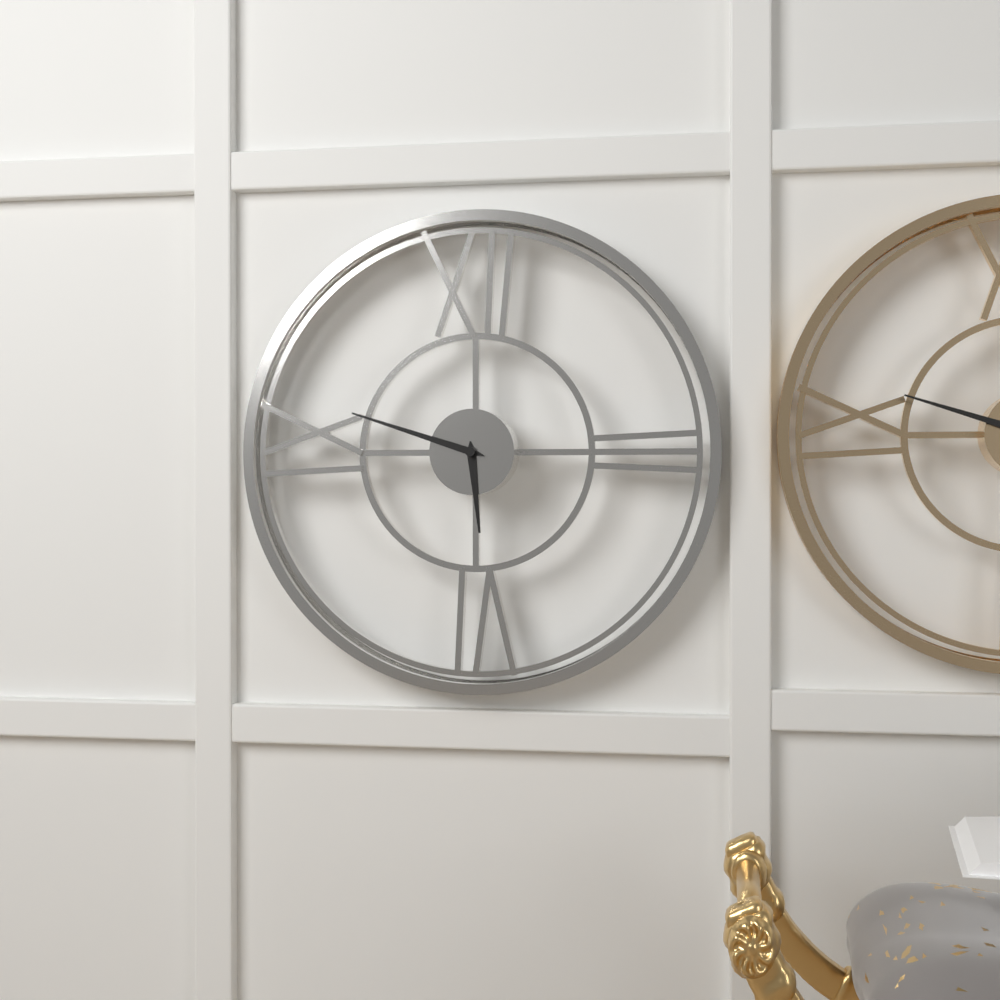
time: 5:48
